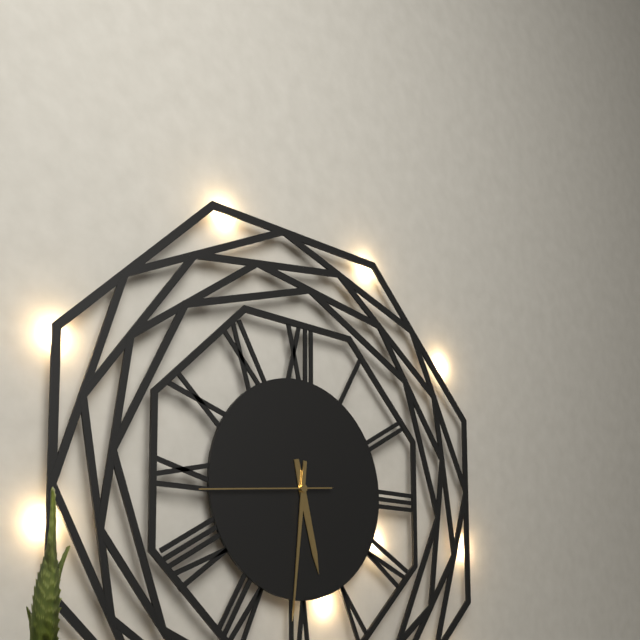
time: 5:31:44
